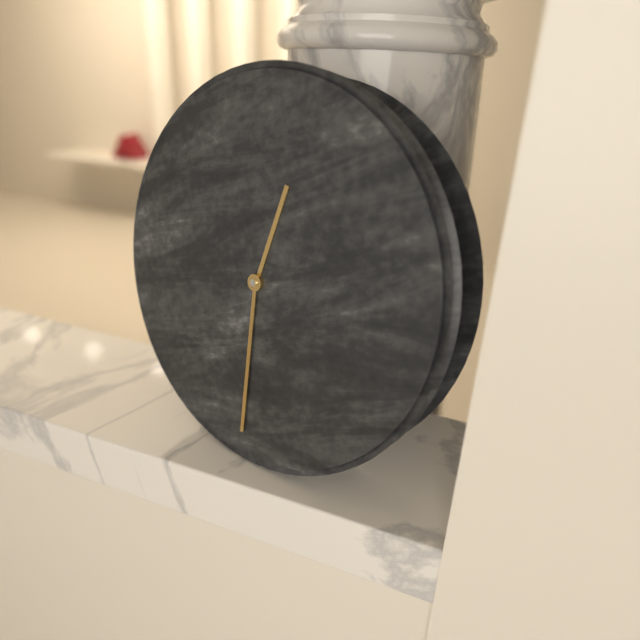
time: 12:30
